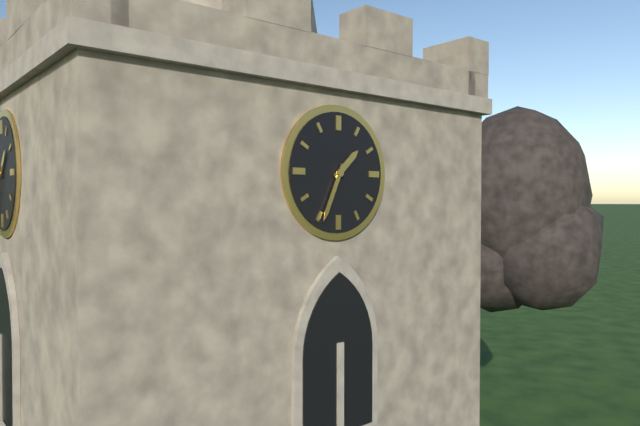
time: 1:34
